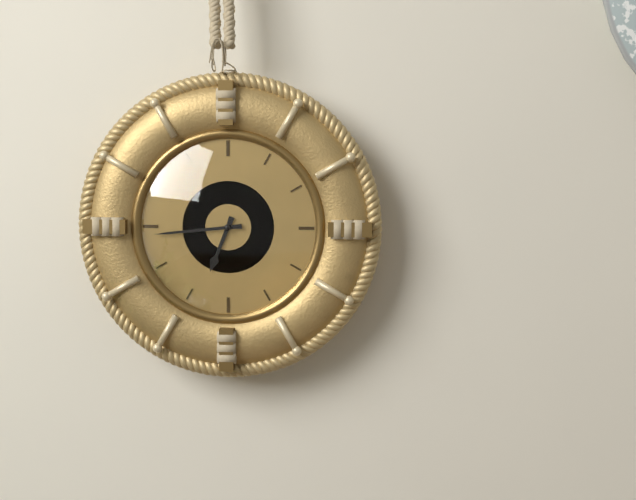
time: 6:44
